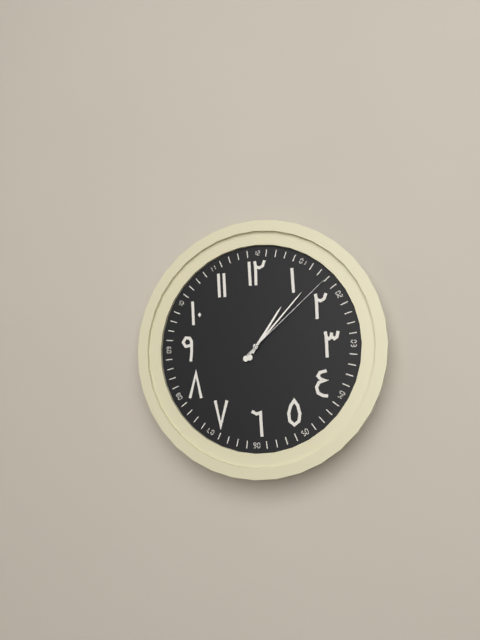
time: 1:07:08
